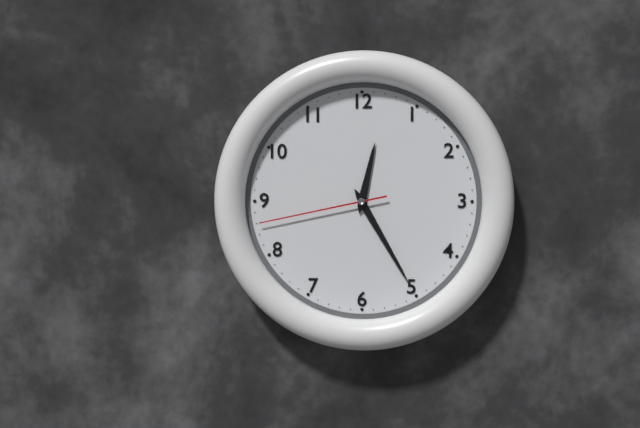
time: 12:25:43
